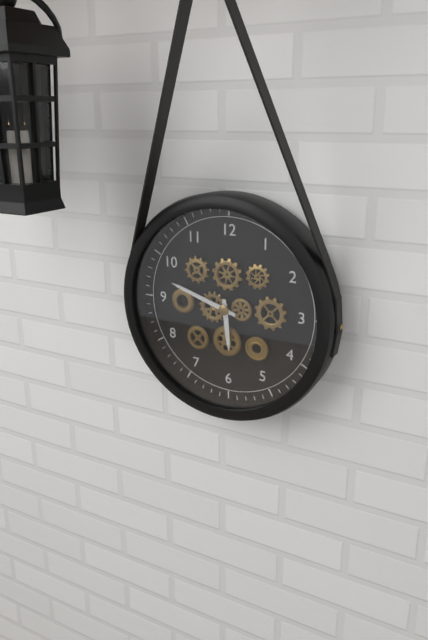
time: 5:48
